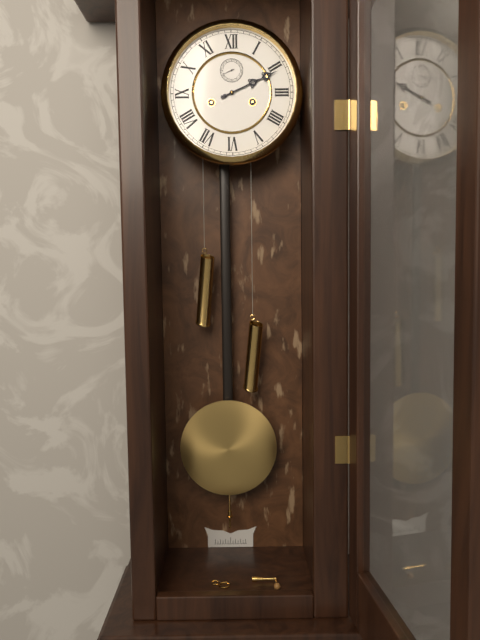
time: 2:11
